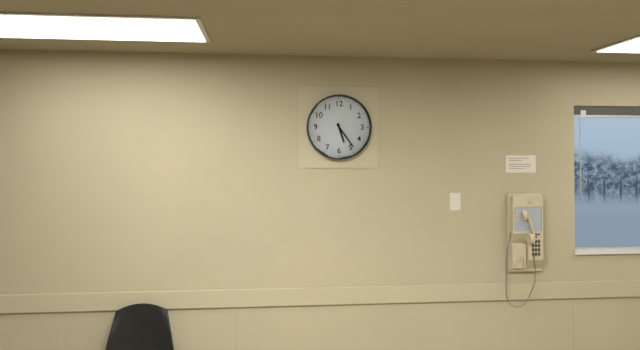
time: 5:24
